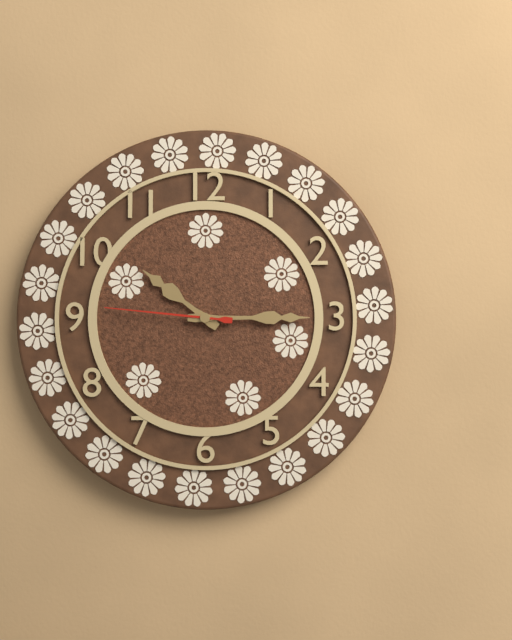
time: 10:15:46
